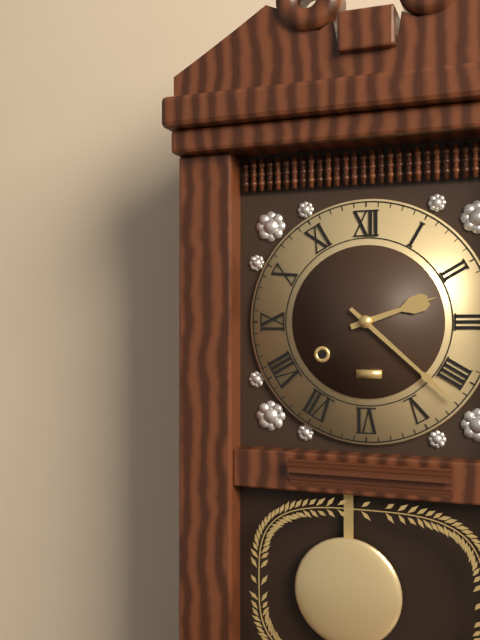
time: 2:22
